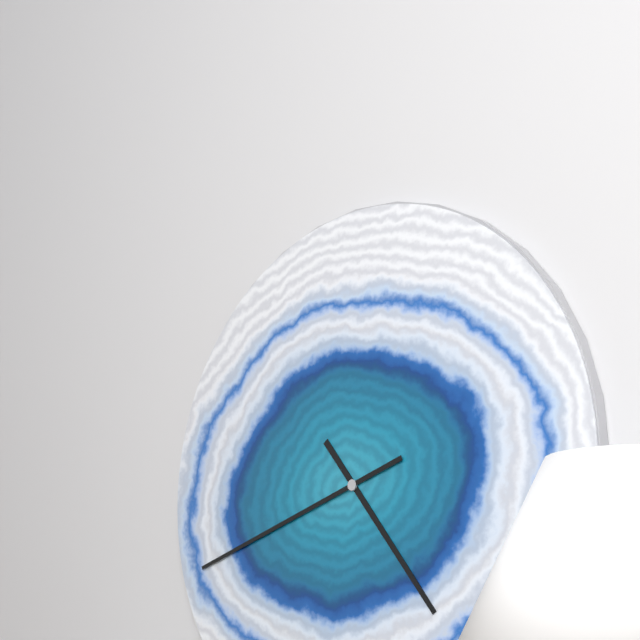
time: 4:42
